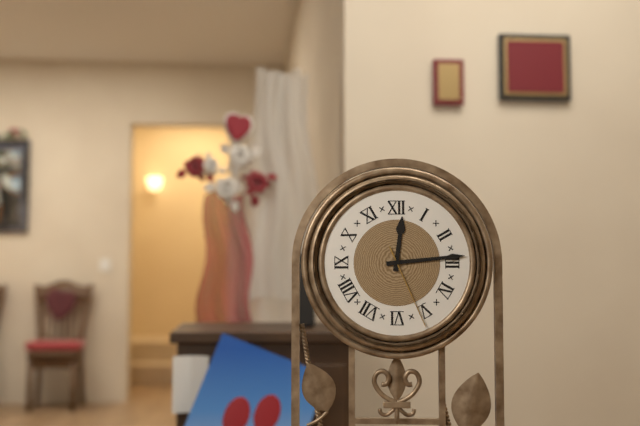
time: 12:14:26
